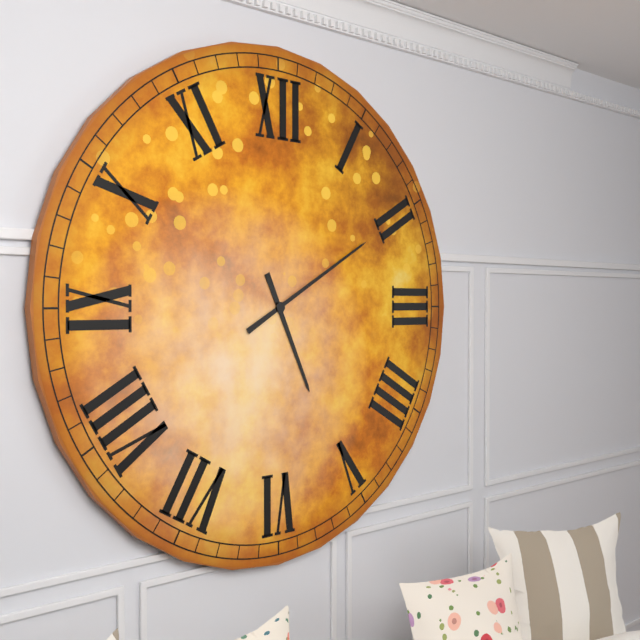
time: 5:10
